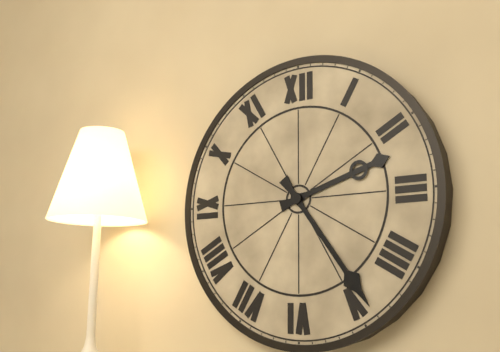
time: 2:24
